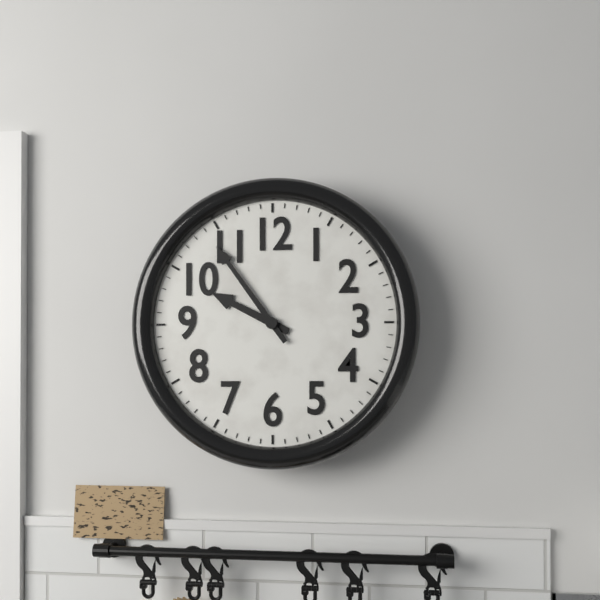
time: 9:54
